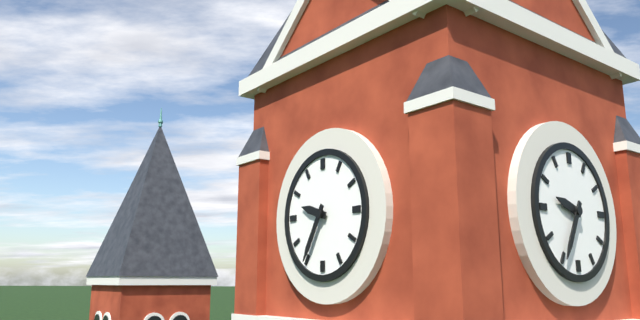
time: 9:35
